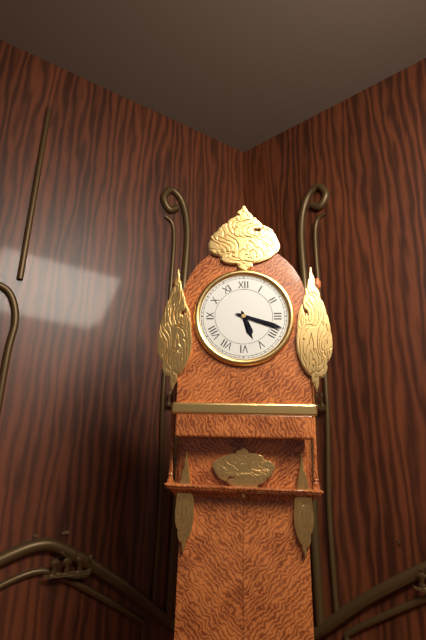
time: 5:18
